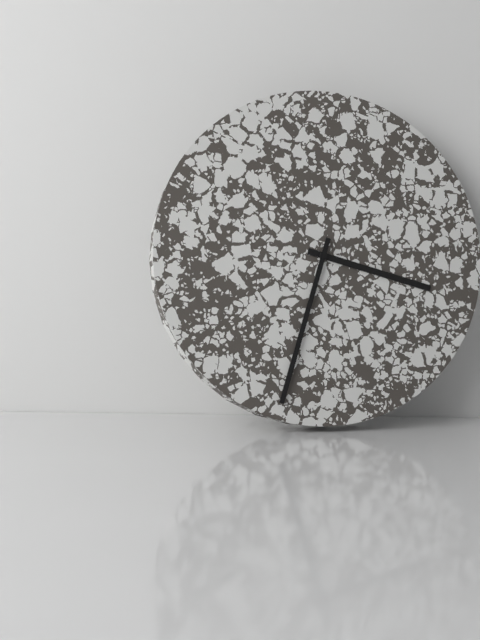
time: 3:33
